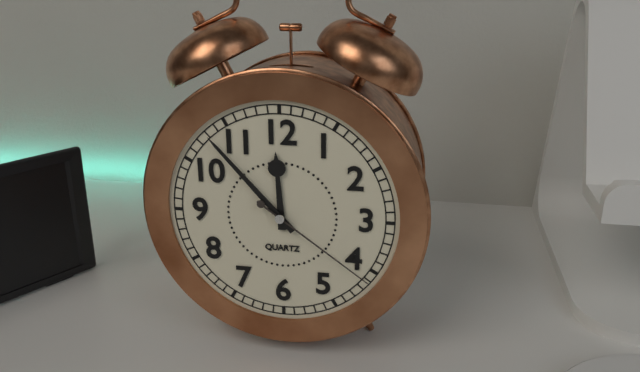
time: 11:53:21
